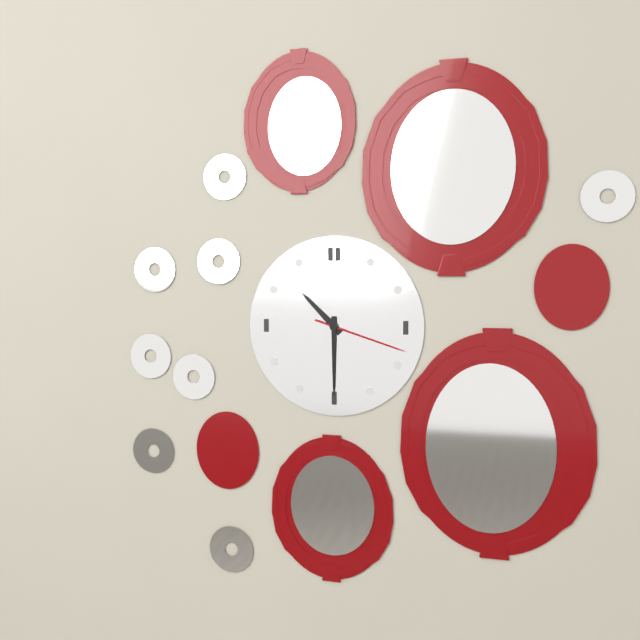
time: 10:30:18
